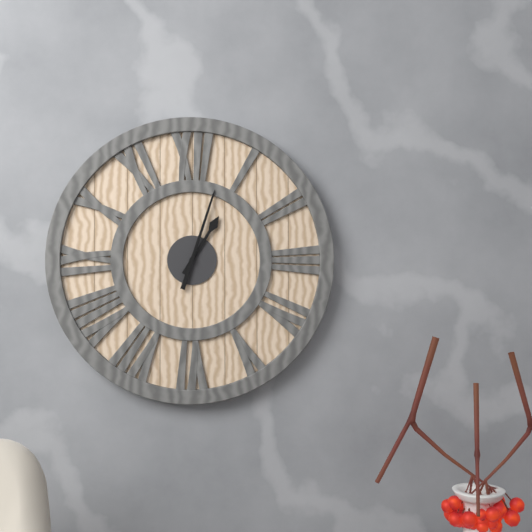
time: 1:03
